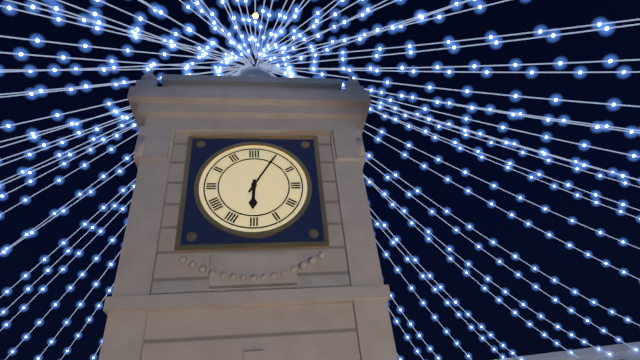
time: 6:05
